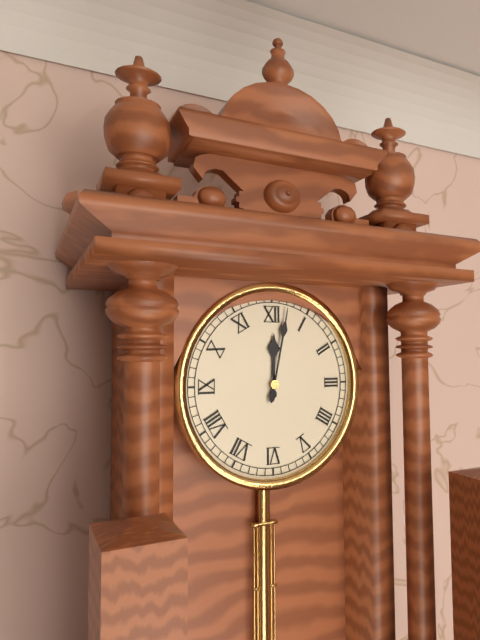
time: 12:02
